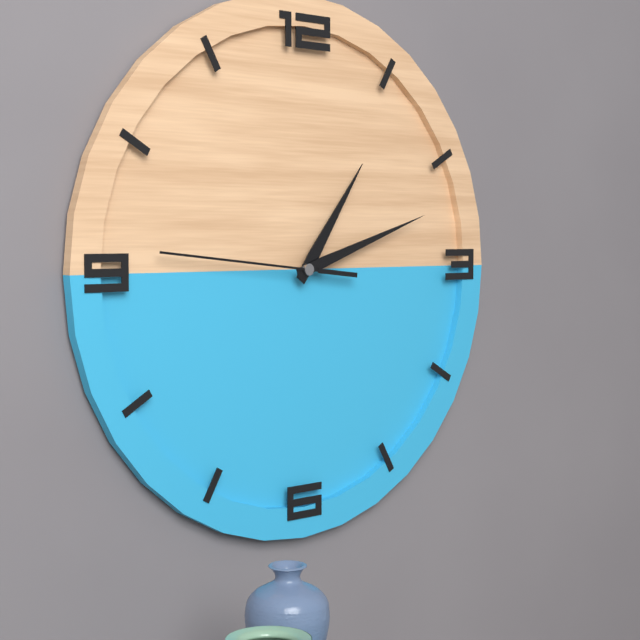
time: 1:12:46
